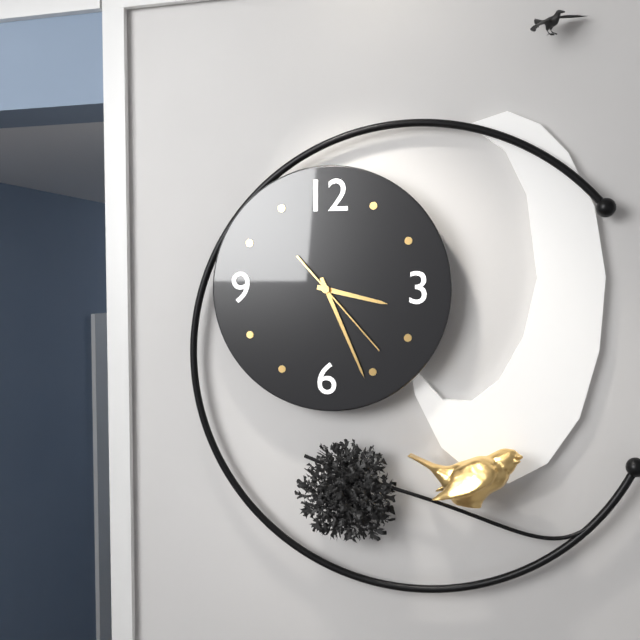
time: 3:26:23
